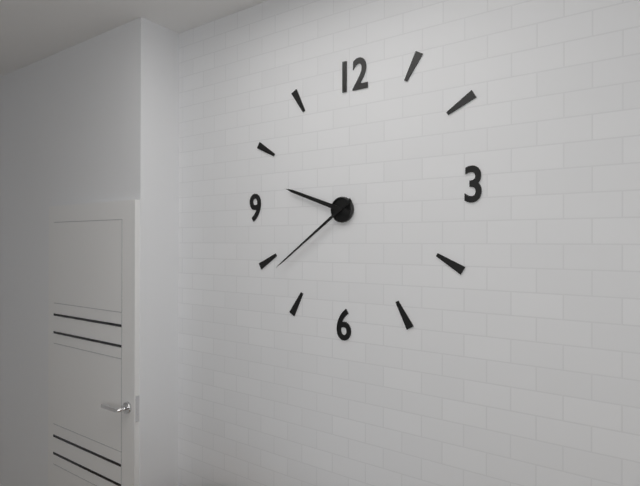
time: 9:39
